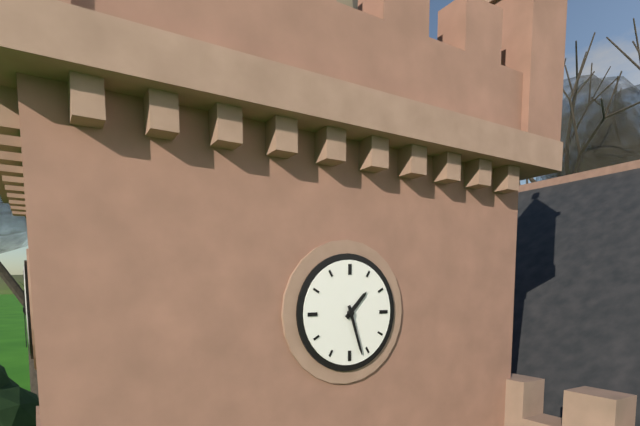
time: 1:27
